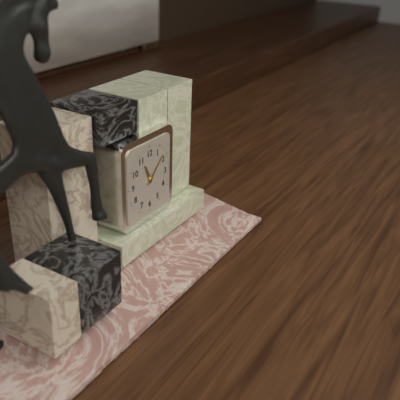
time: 11:08
